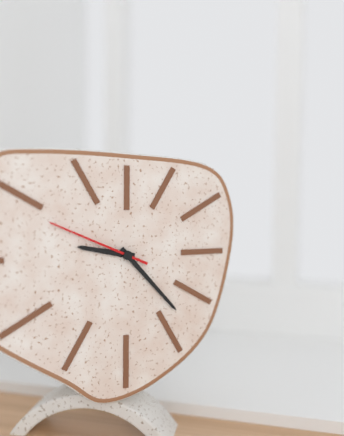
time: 9:23:49
